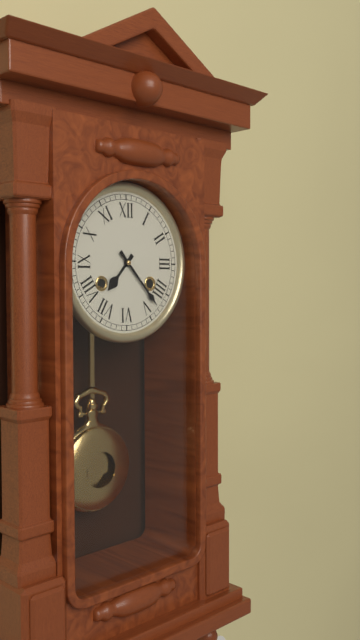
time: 7:23
